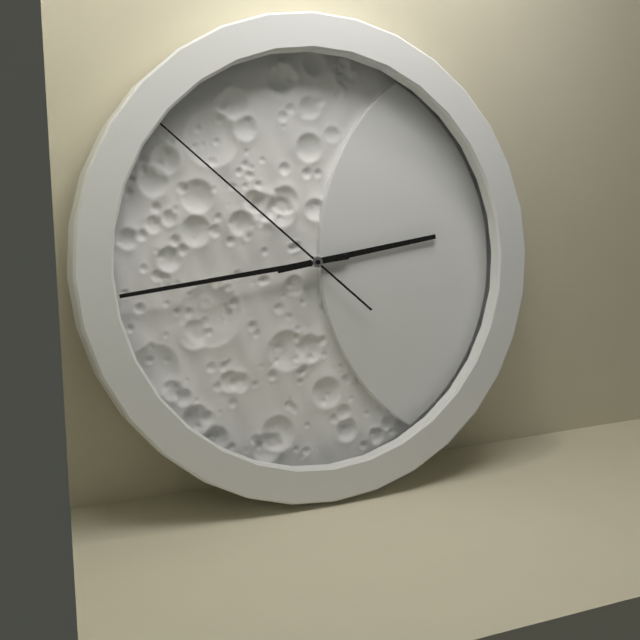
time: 2:44:52
